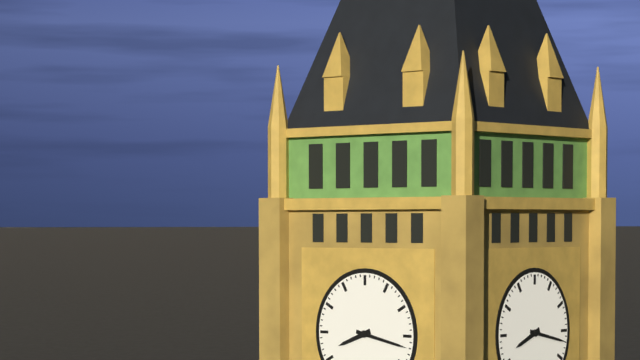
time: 8:17
